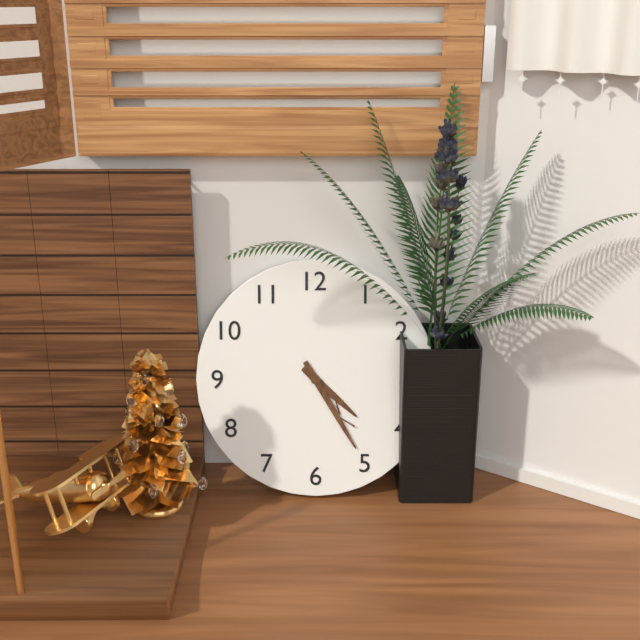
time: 4:25
